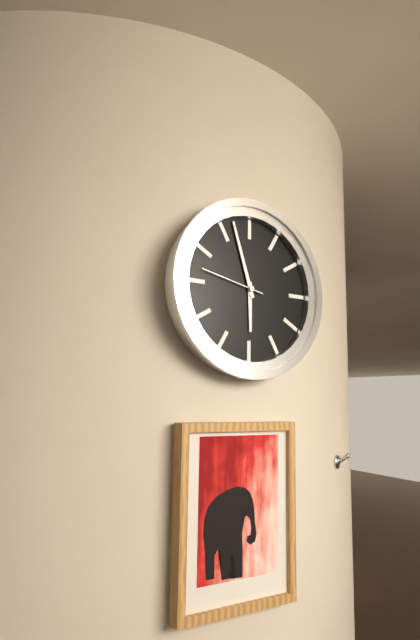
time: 5:57:47
